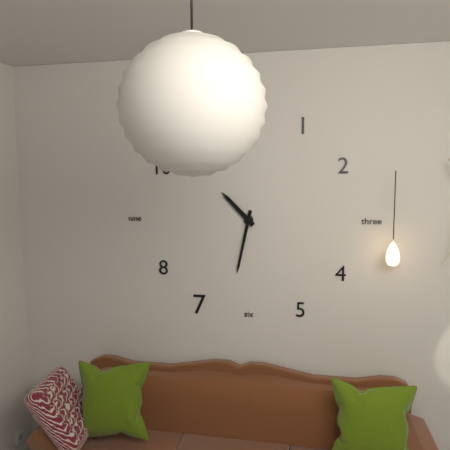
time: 10:32
